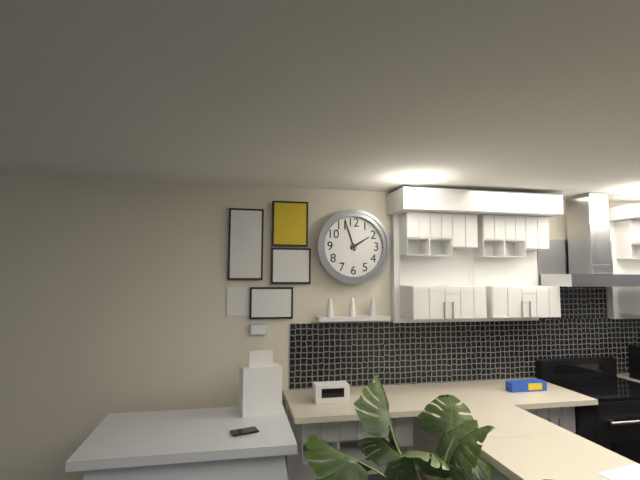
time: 1:57
